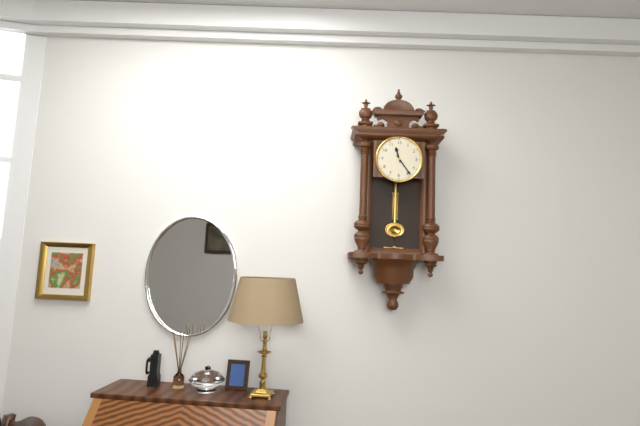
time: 11:24
